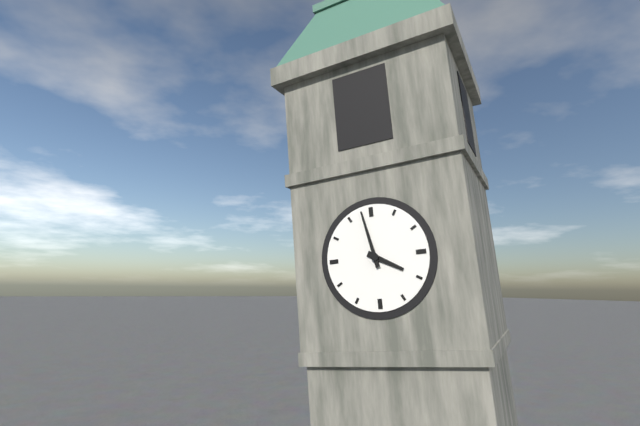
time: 3:58
